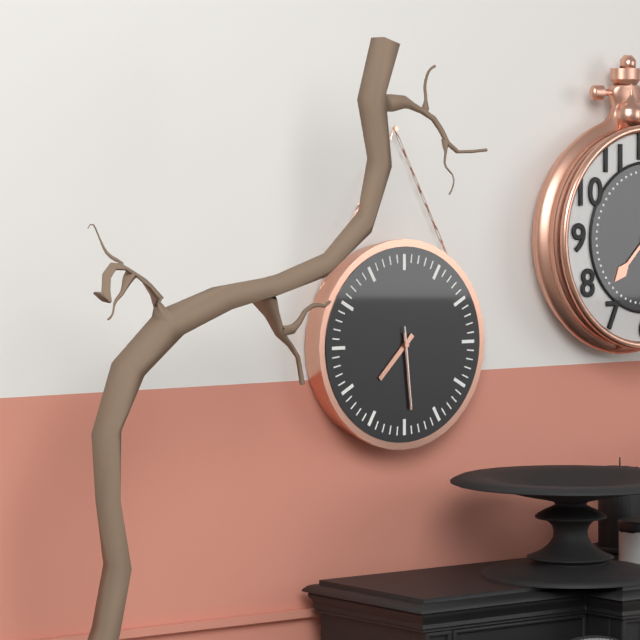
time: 7:29:29
